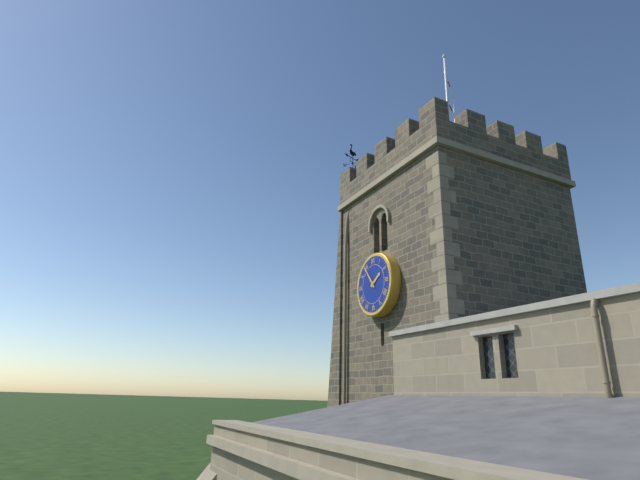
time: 1:54
